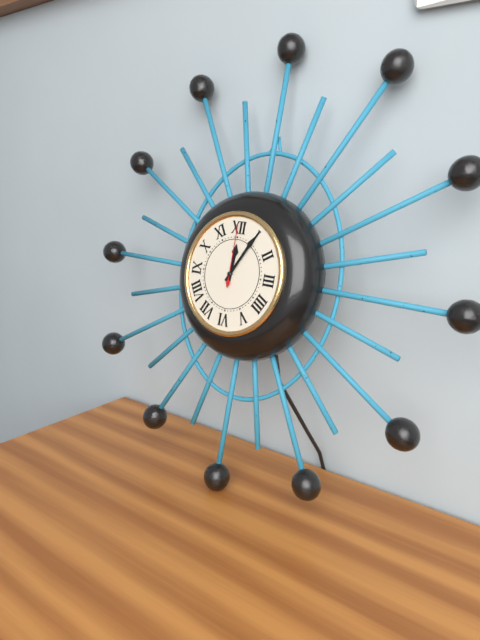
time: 12:05:00
